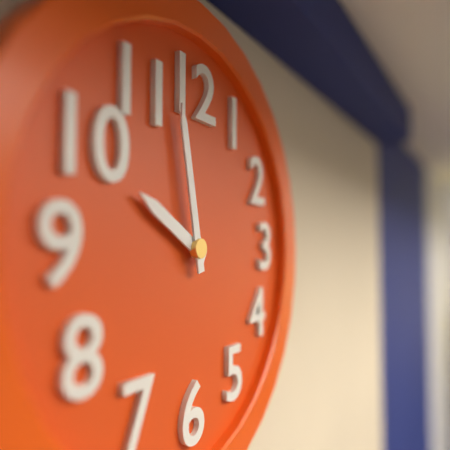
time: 9:58
